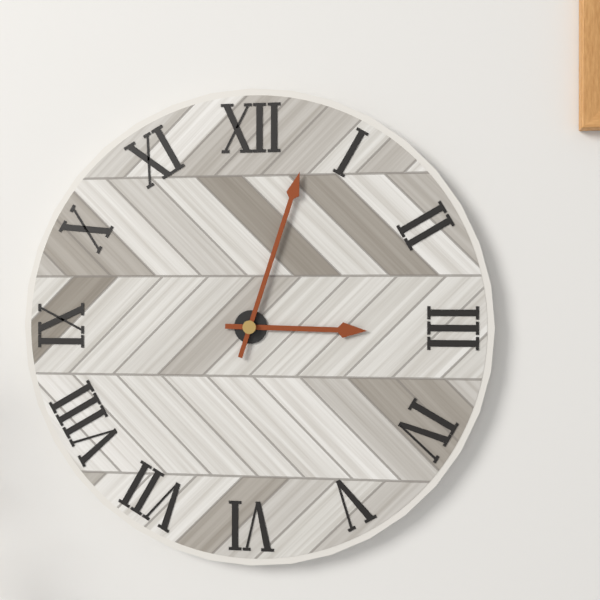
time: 3:03
